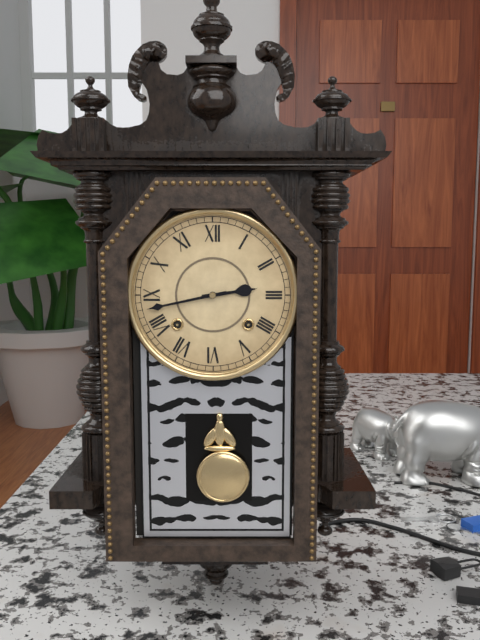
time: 2:43
